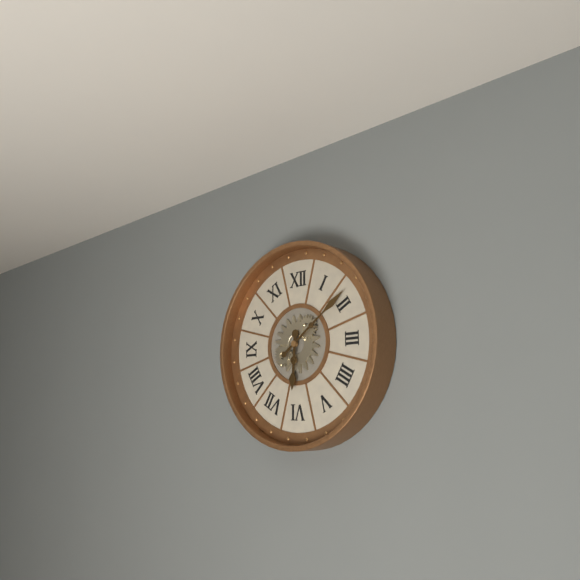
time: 6:09
